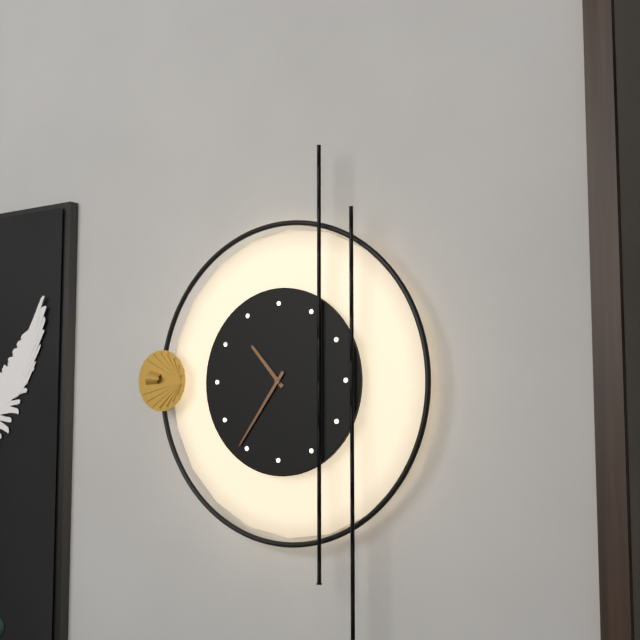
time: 10:36
